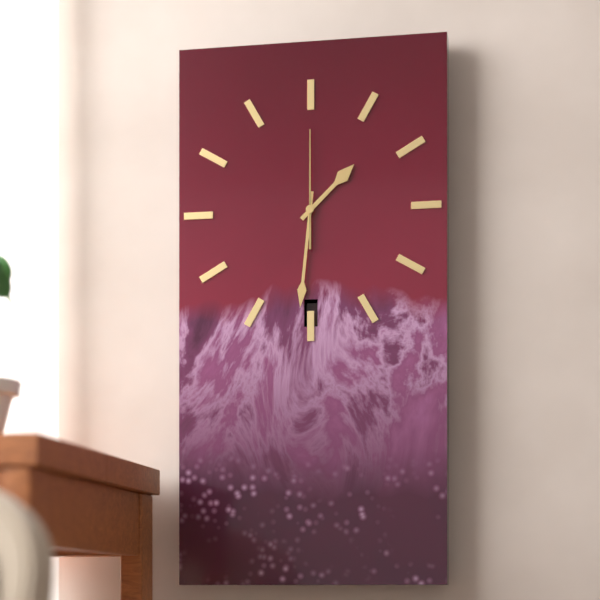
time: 1:31:00
